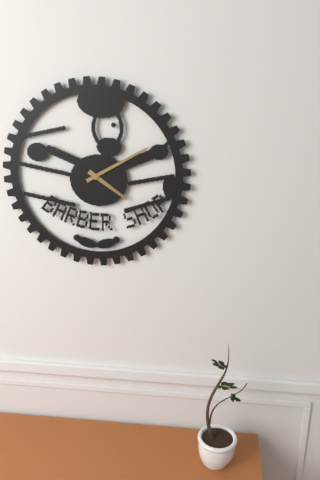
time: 4:10
